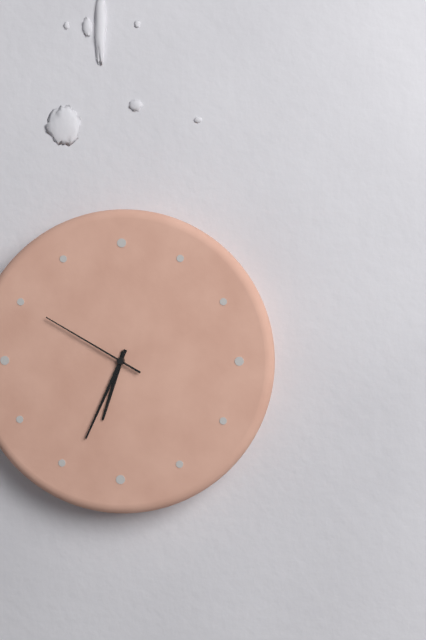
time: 6:34:50
